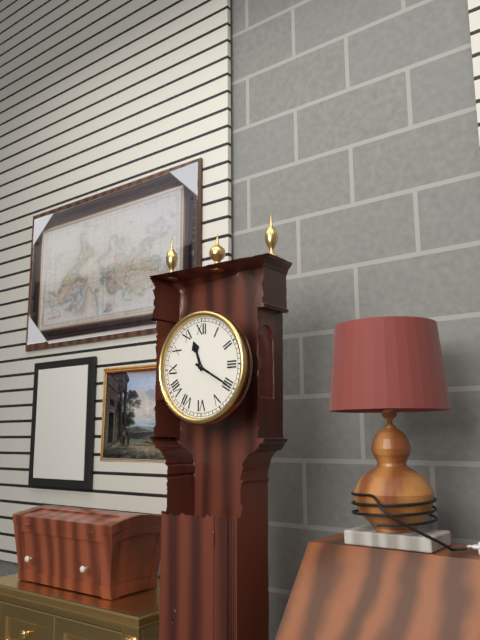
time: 11:20
